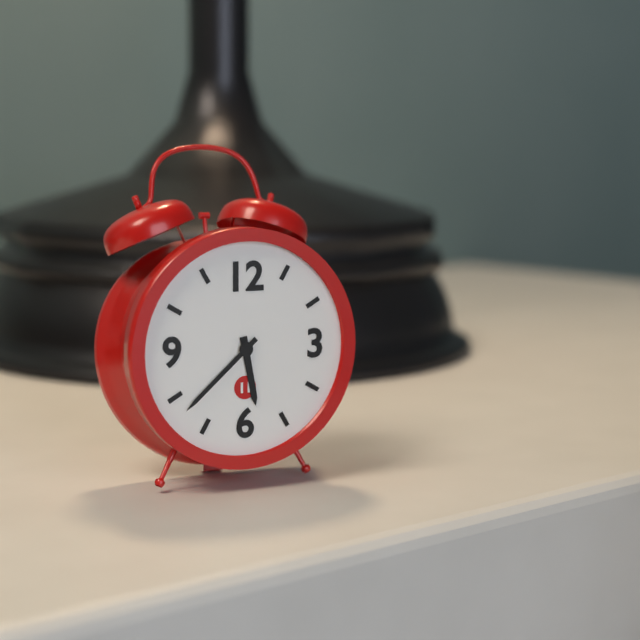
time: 5:38
